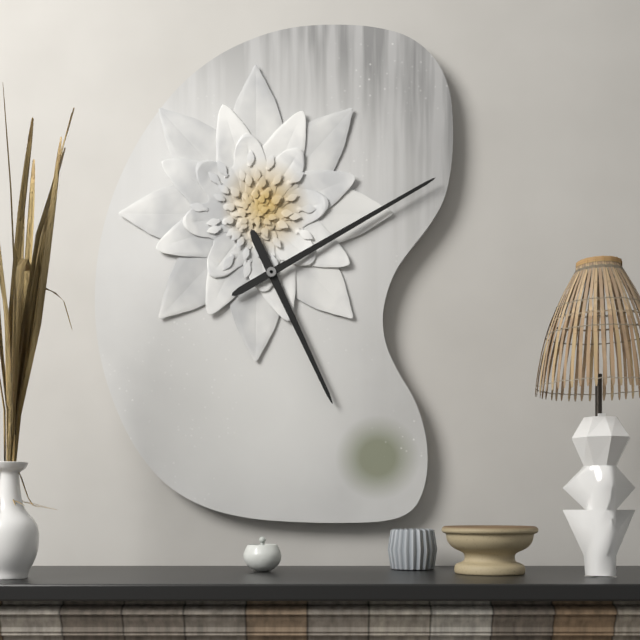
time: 5:10
